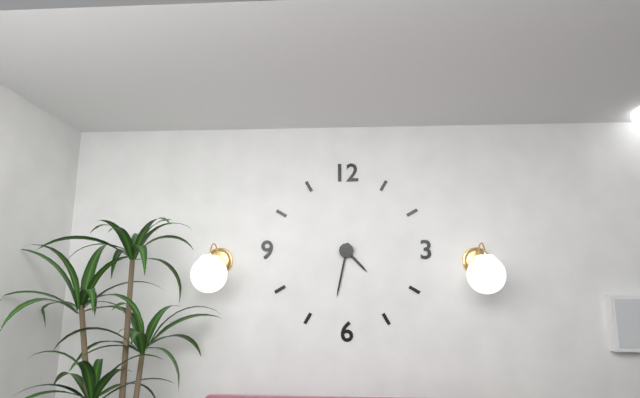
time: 4:32
